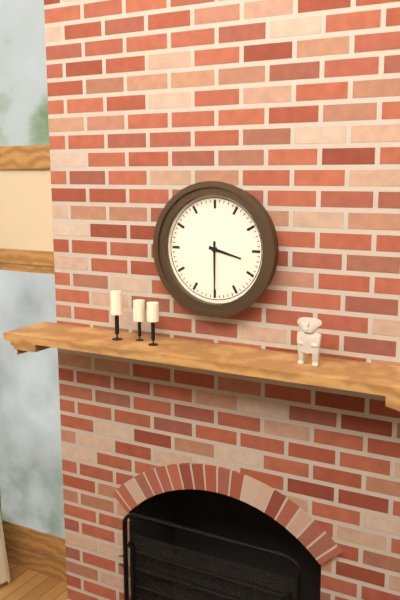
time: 3:30
